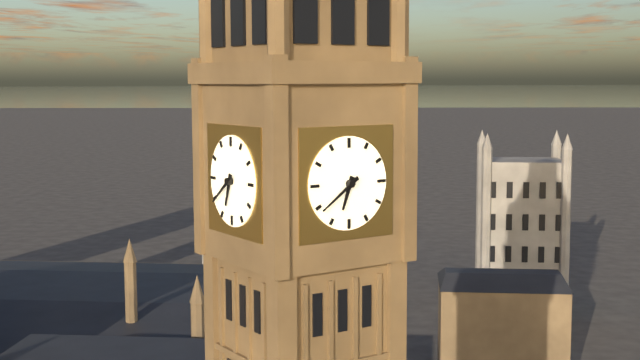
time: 6:39
